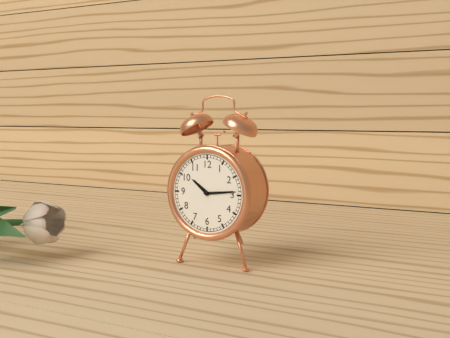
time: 10:14
